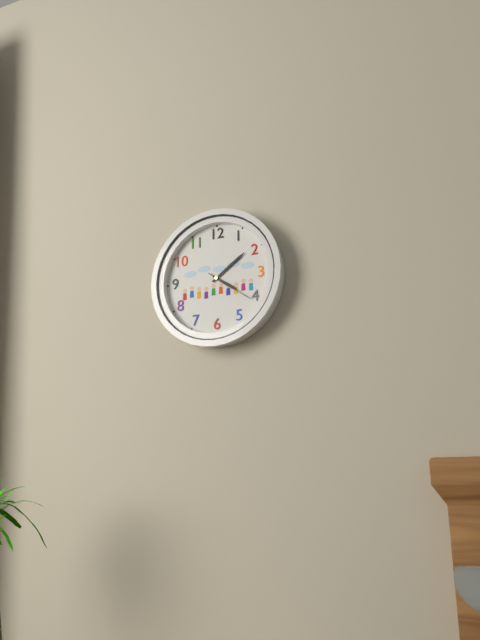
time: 4:09
